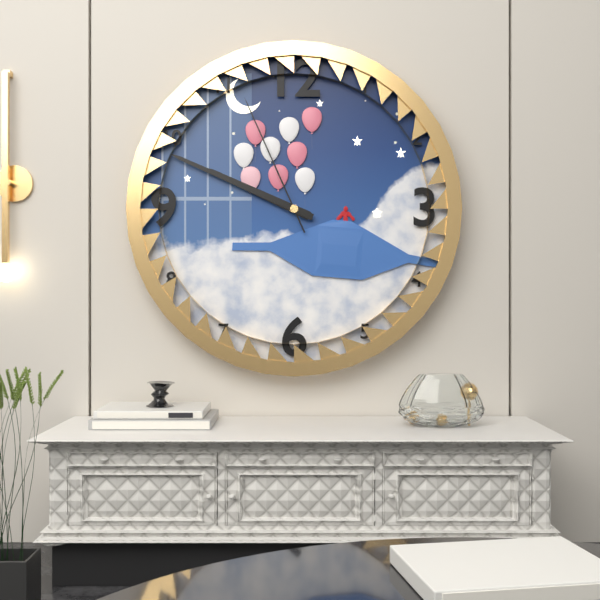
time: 9:49:56
